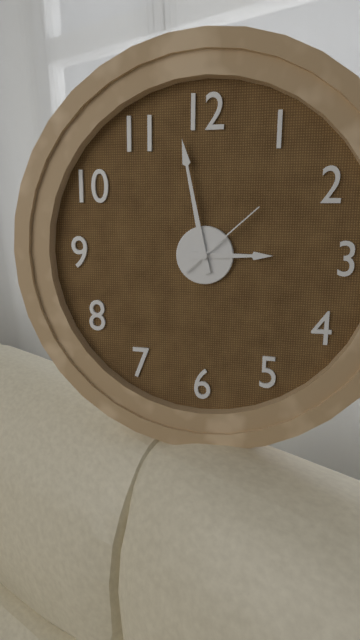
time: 2:58:08
